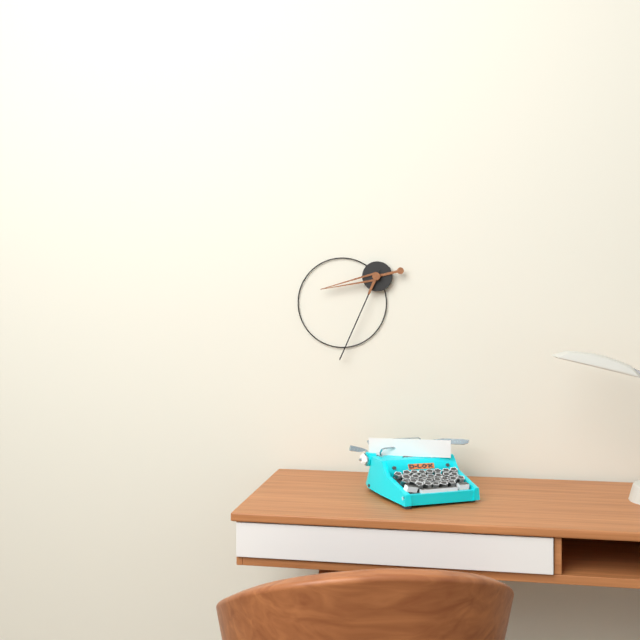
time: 8:34
